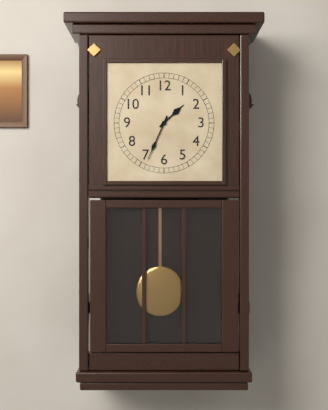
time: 1:34
